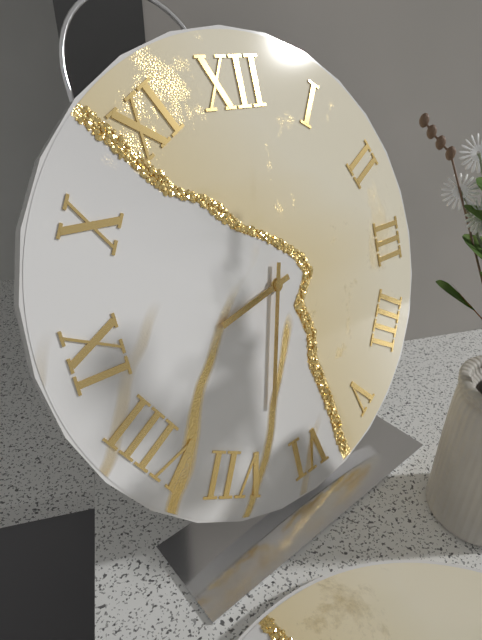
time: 8:33
